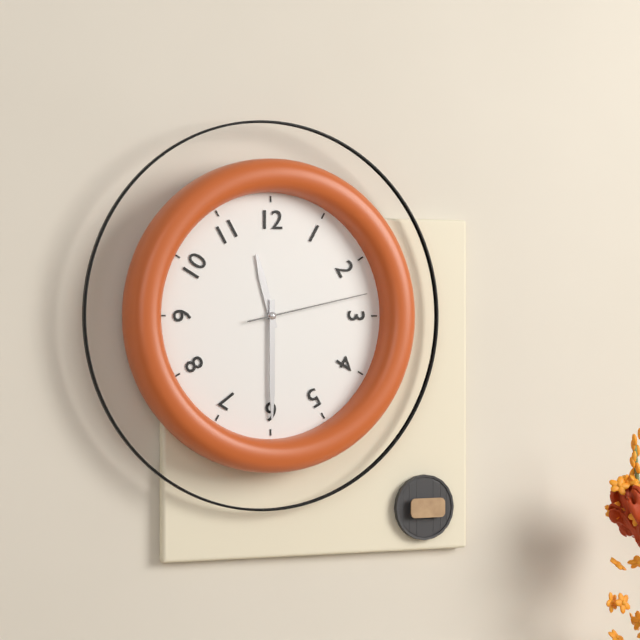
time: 11:30:13
